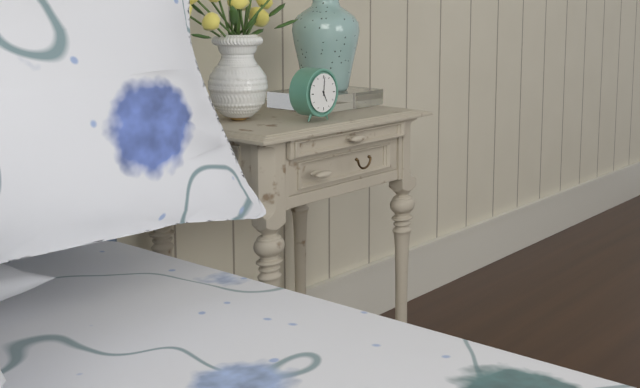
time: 5:01
